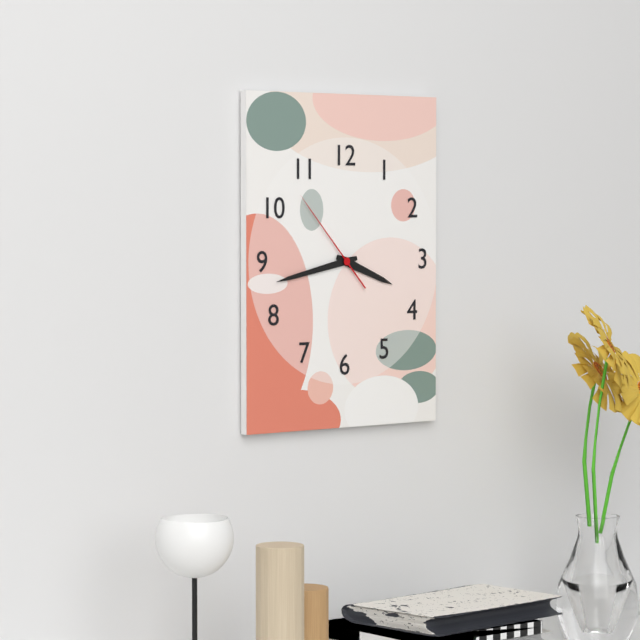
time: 3:43:53
